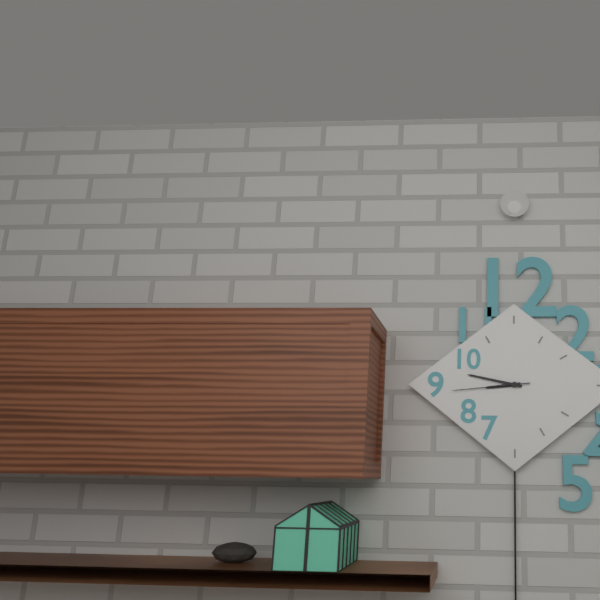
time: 8:47:44
